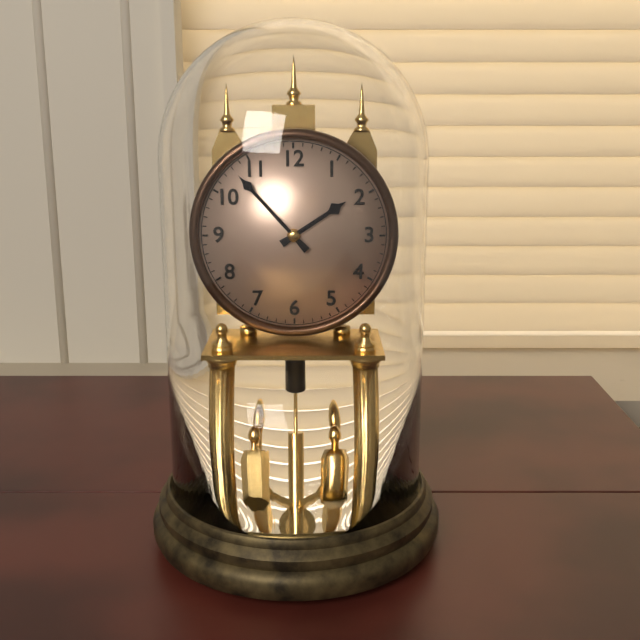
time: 1:53
